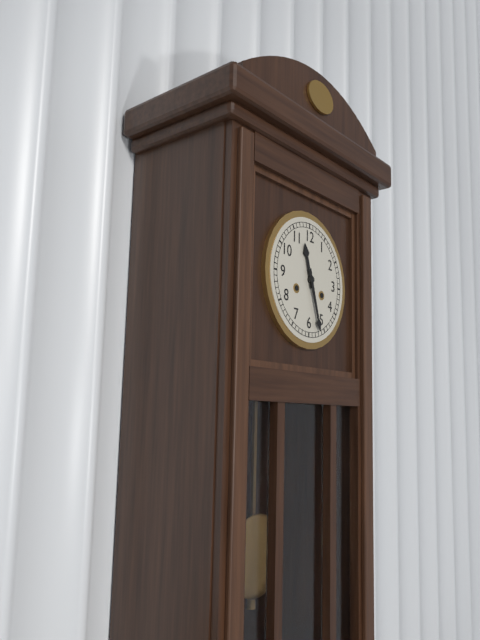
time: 11:27
